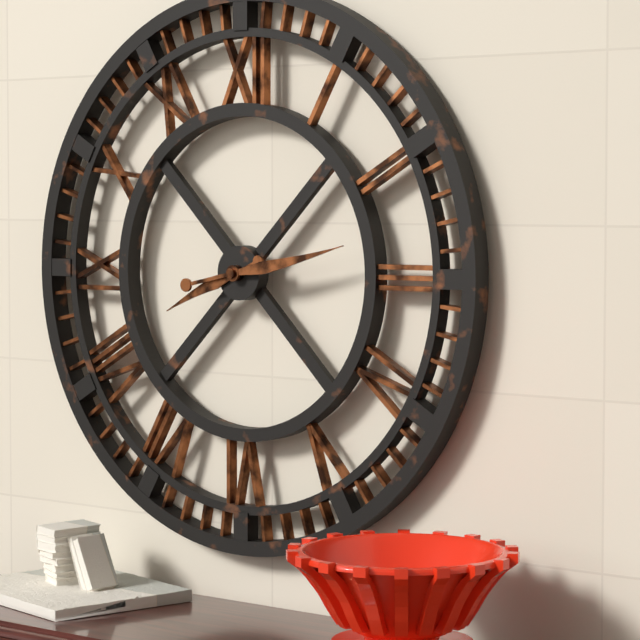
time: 8:13
